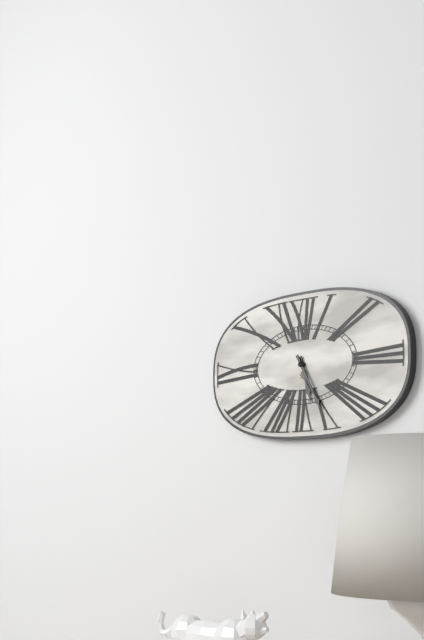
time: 5:25
